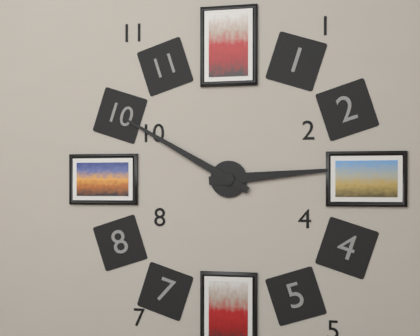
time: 2:50
